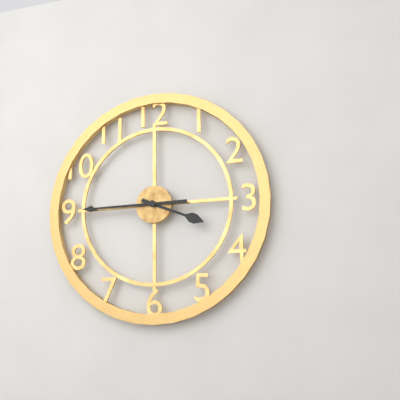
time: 3:45
